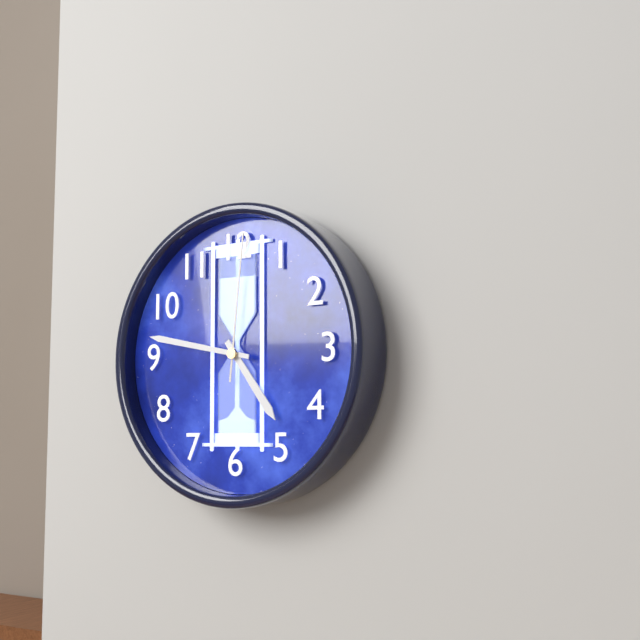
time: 4:47:01
